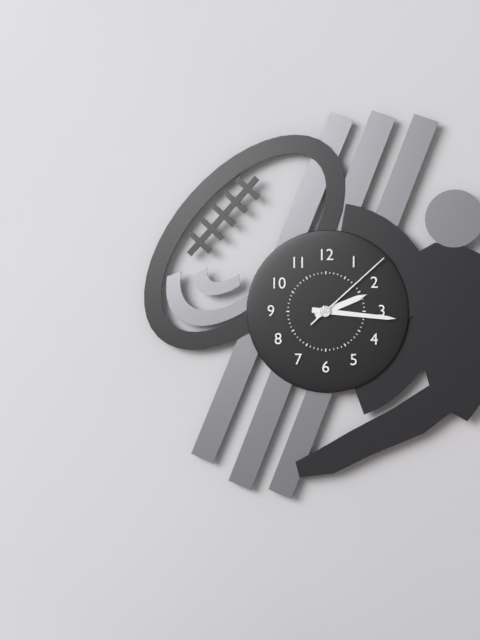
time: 2:16:08
